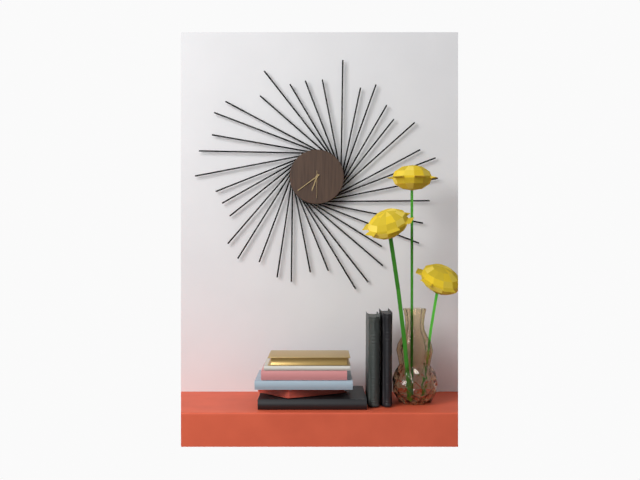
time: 6:39
